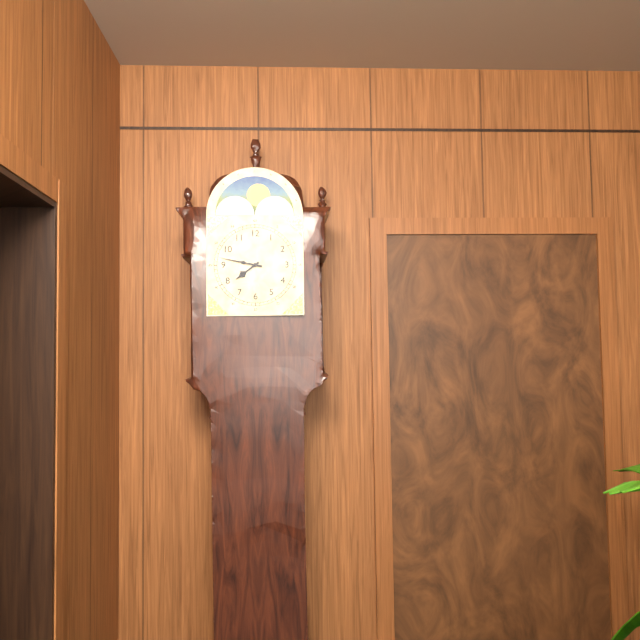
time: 7:47
